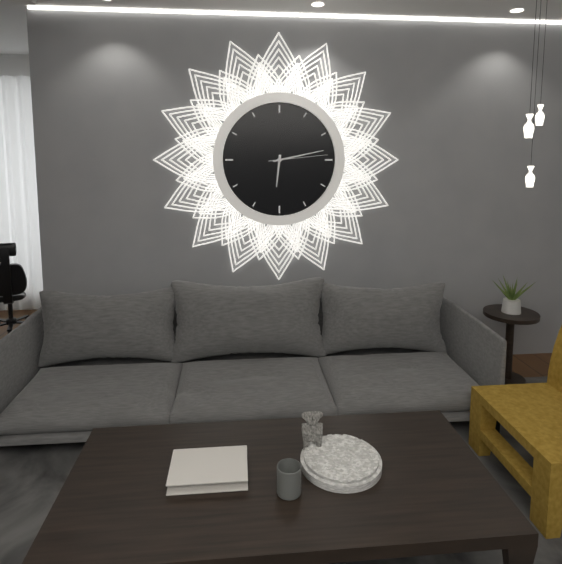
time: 6:13:14
